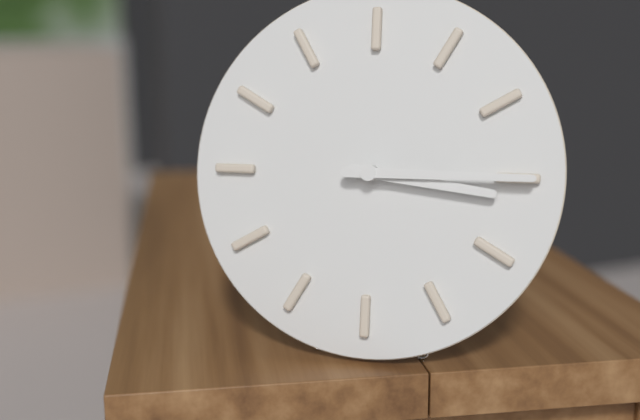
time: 3:15
